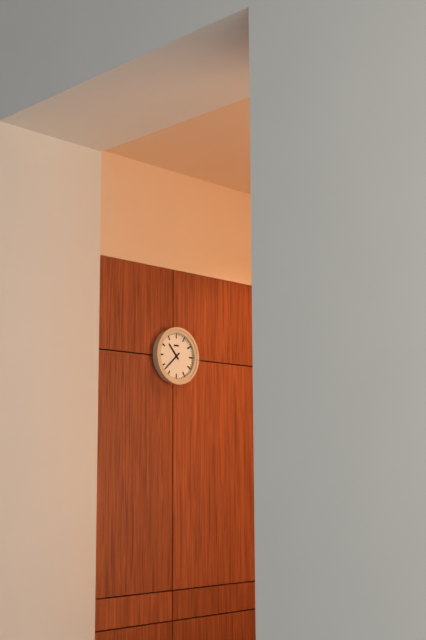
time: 10:38
